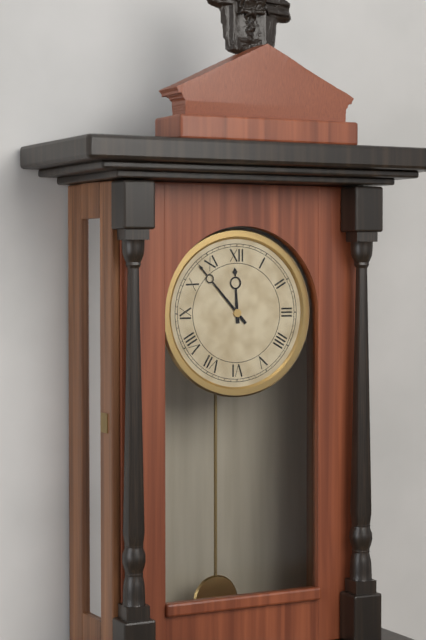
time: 11:53
